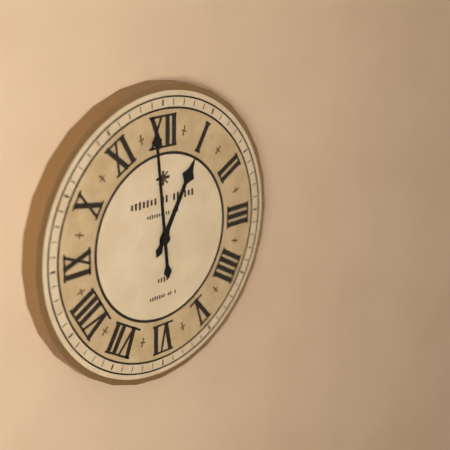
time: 12:59
